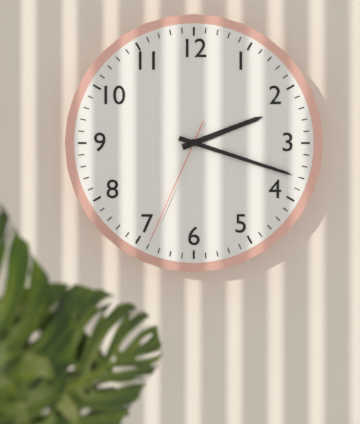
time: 2:18:34
